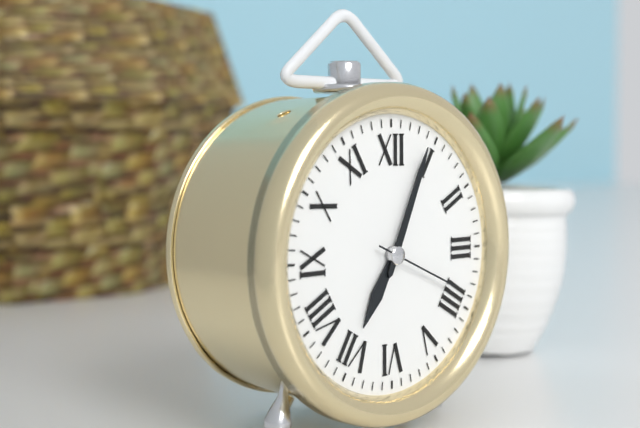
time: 7:04:19
